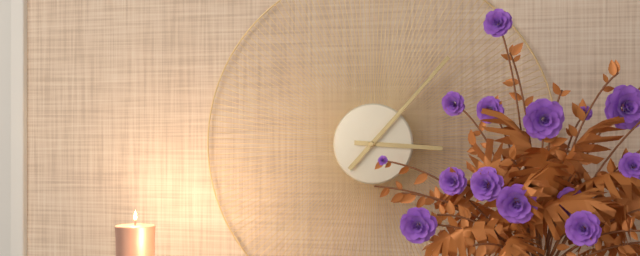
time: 3:07
